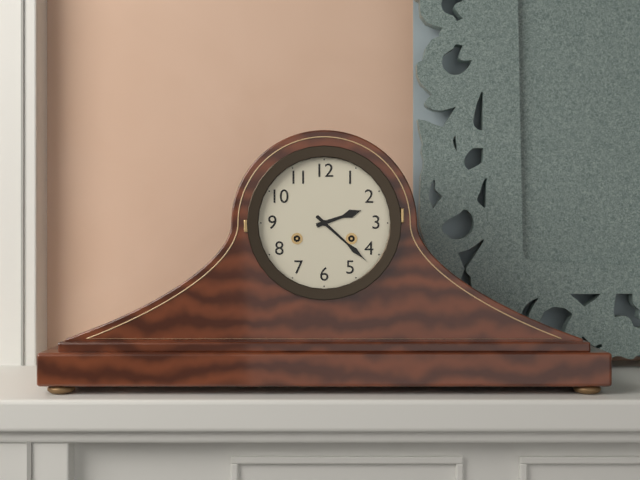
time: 2:22
